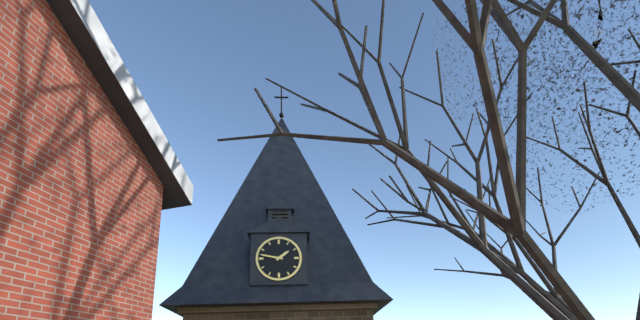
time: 1:47
